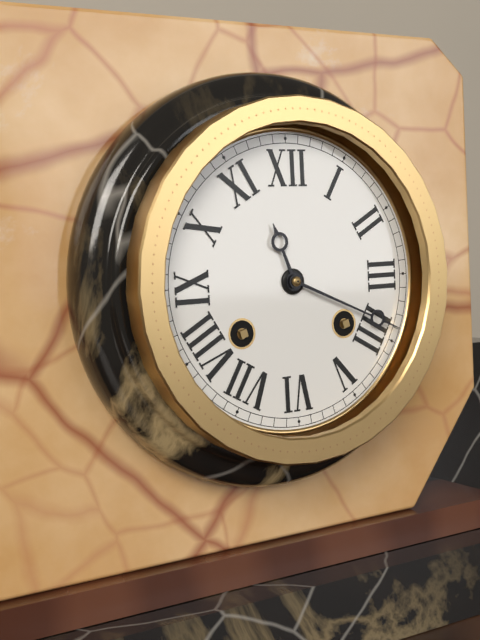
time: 11:19
